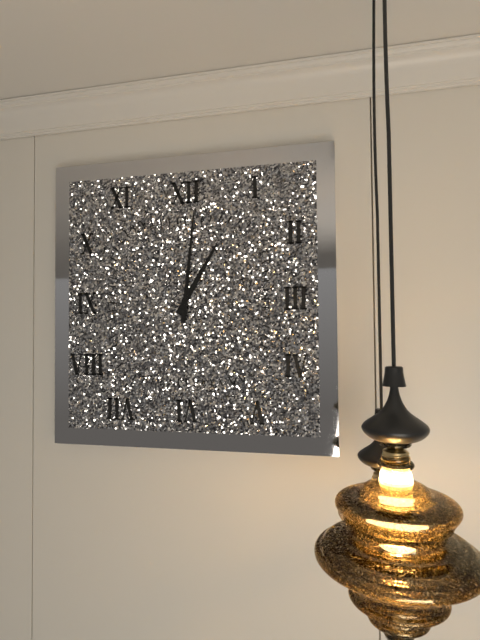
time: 1:01
